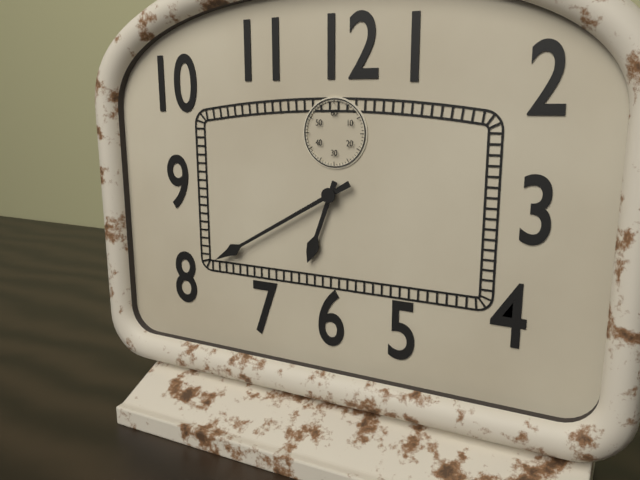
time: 6:40
